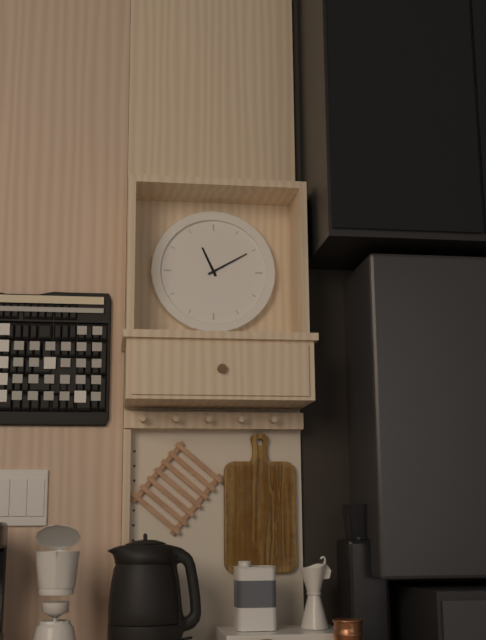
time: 11:10
